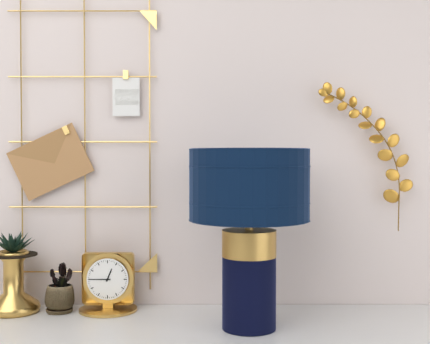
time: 12:45
